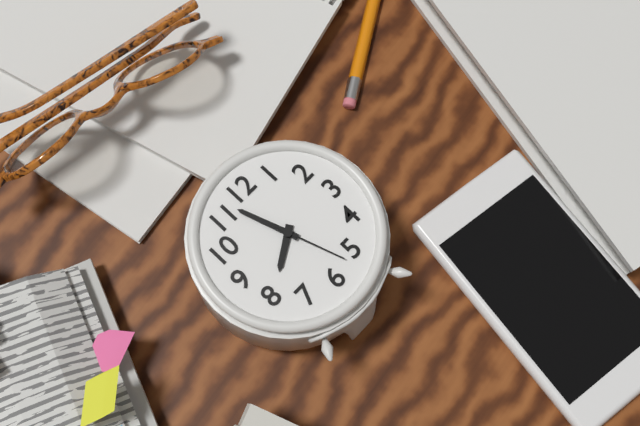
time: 7:57:27
